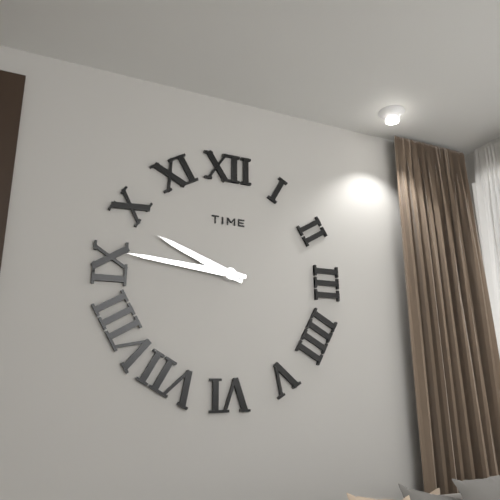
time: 9:46
